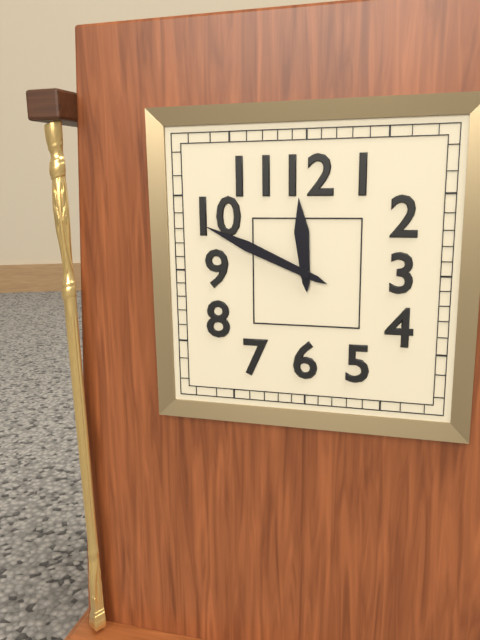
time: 11:49
